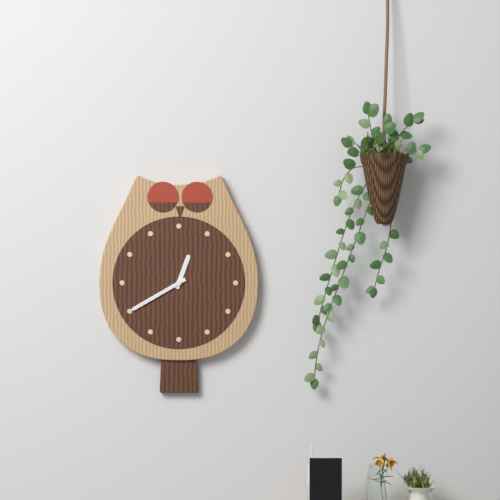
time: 12:40
